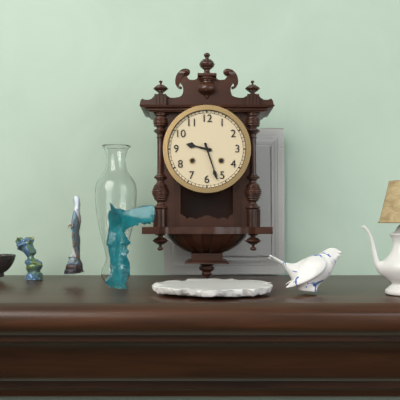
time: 9:27
